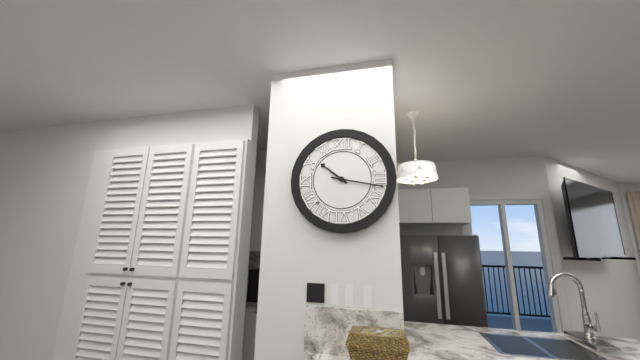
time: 10:17
